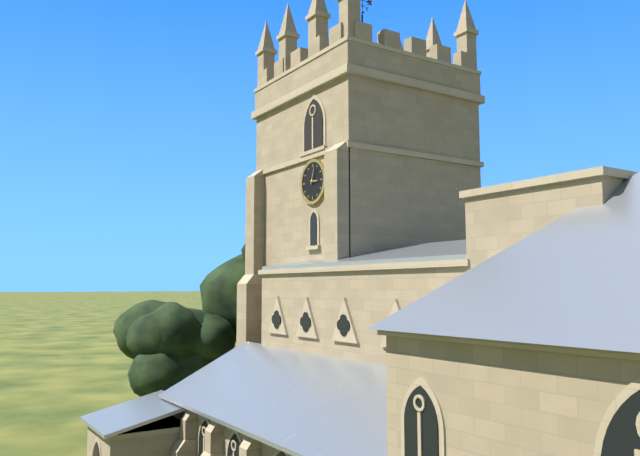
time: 3:03
